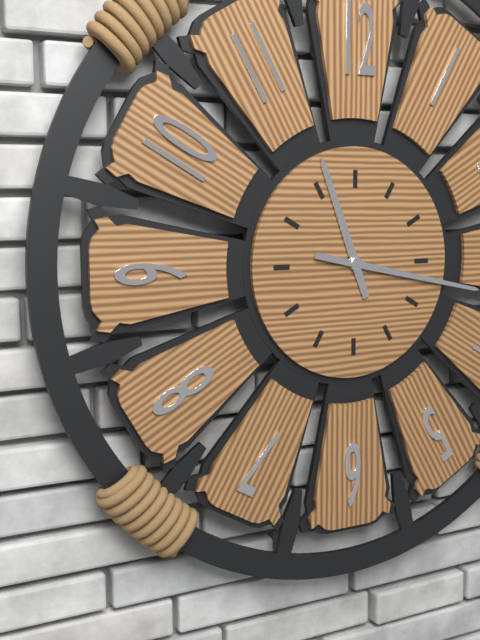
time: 11:17
